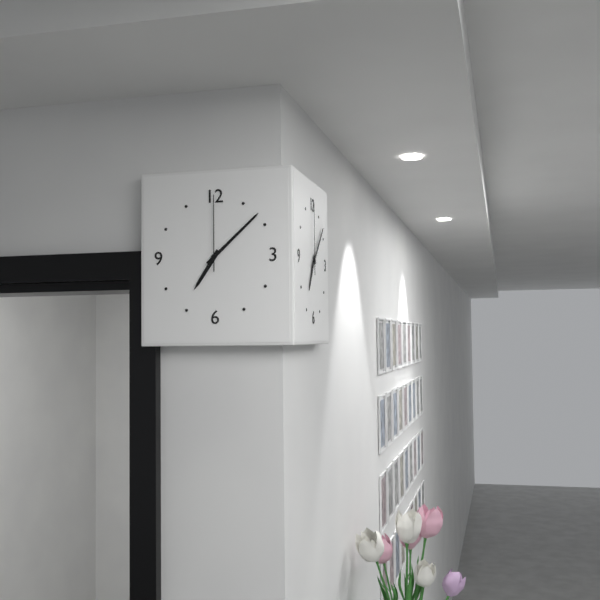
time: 7:08:00
